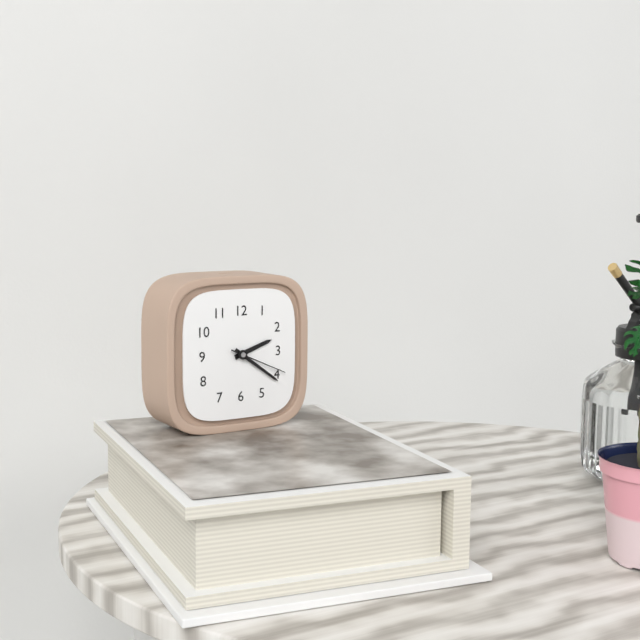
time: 2:21:19
